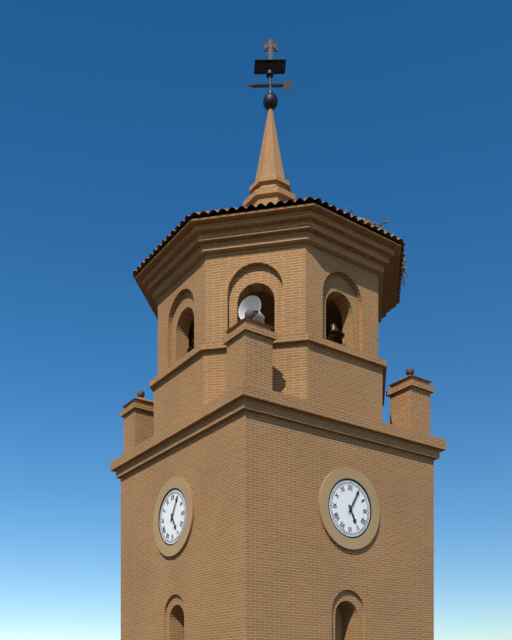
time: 5:05
